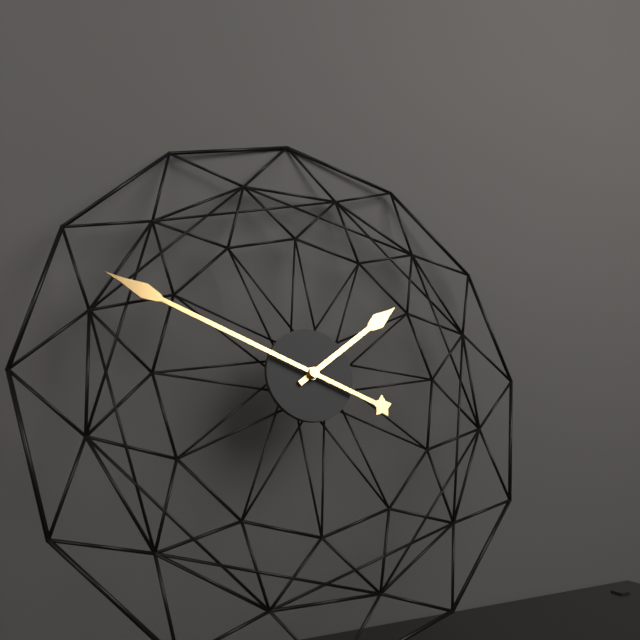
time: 1:49
